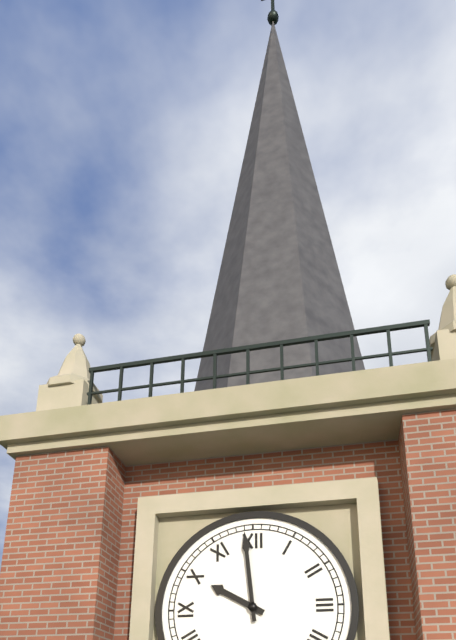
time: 9:59
